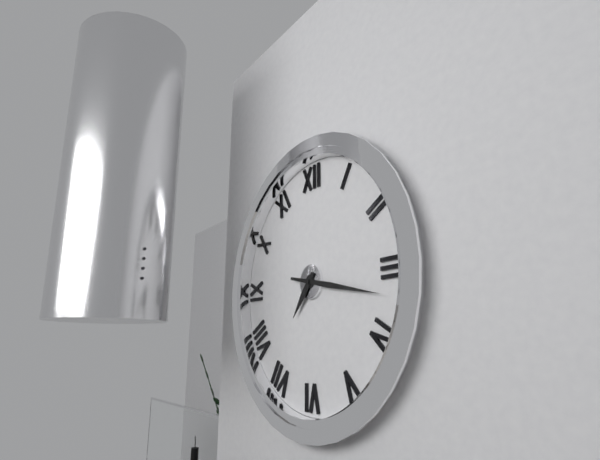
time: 7:17
